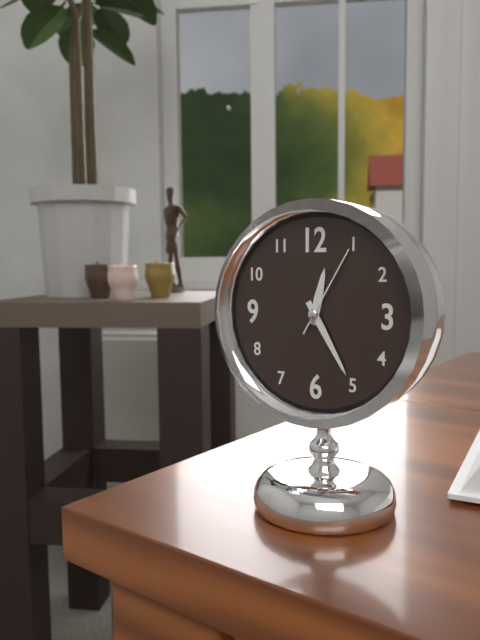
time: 12:25:05
